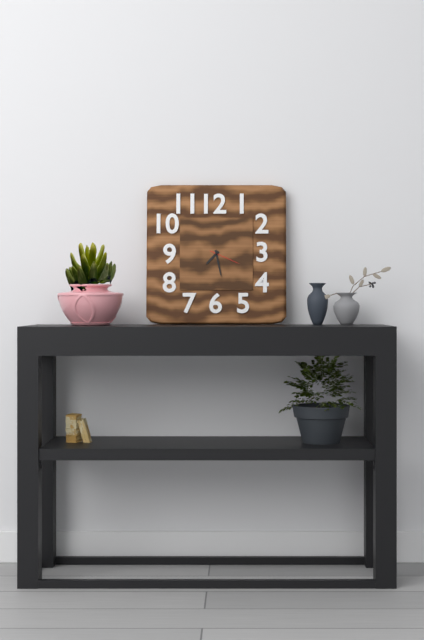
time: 7:28
